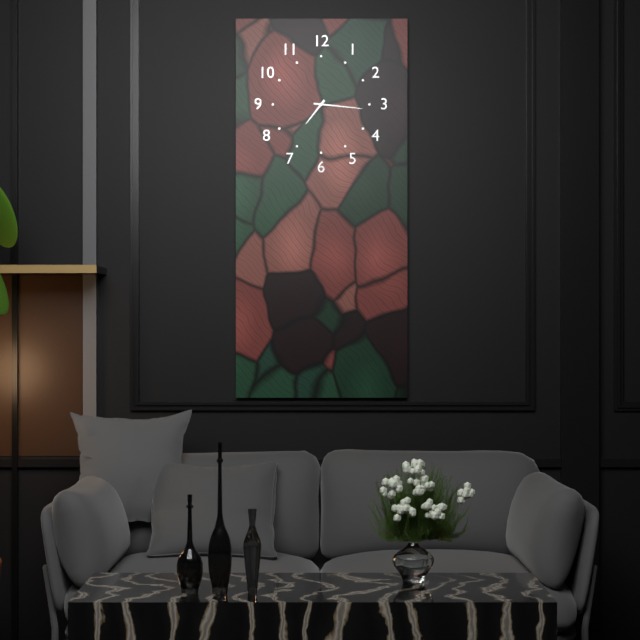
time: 7:16
